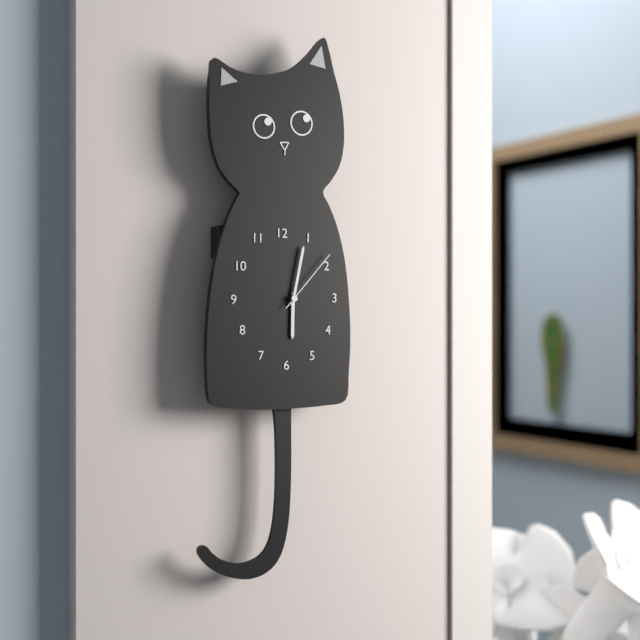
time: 6:02:07
